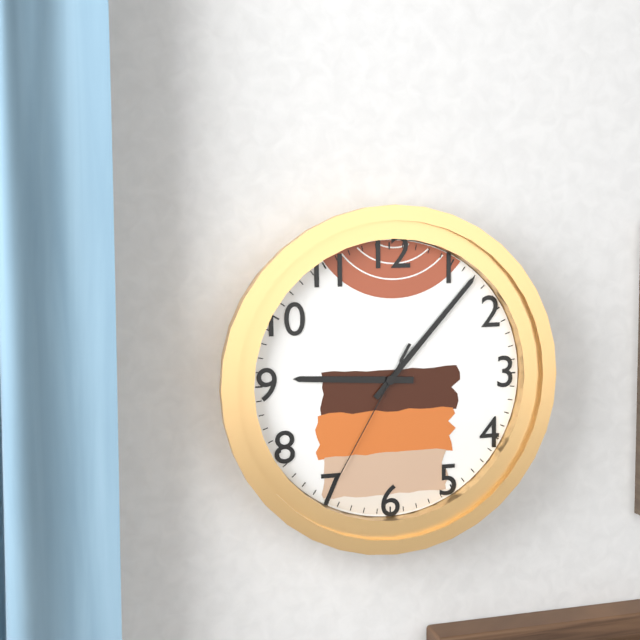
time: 9:07:35
